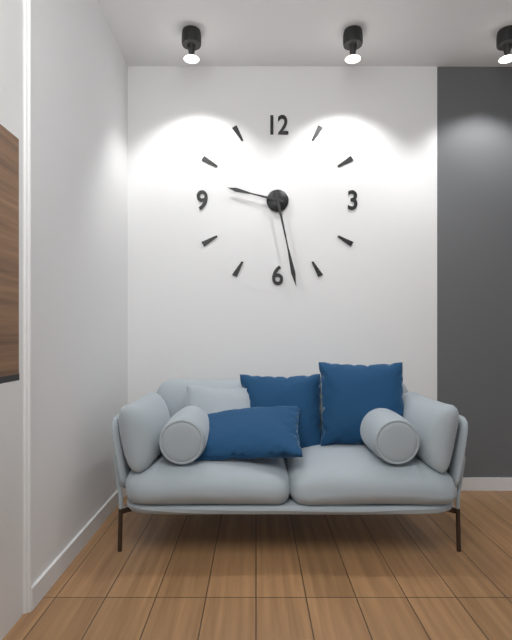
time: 9:28
